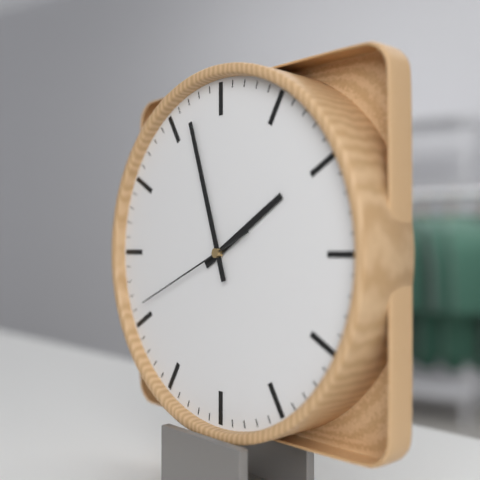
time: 1:57:41
